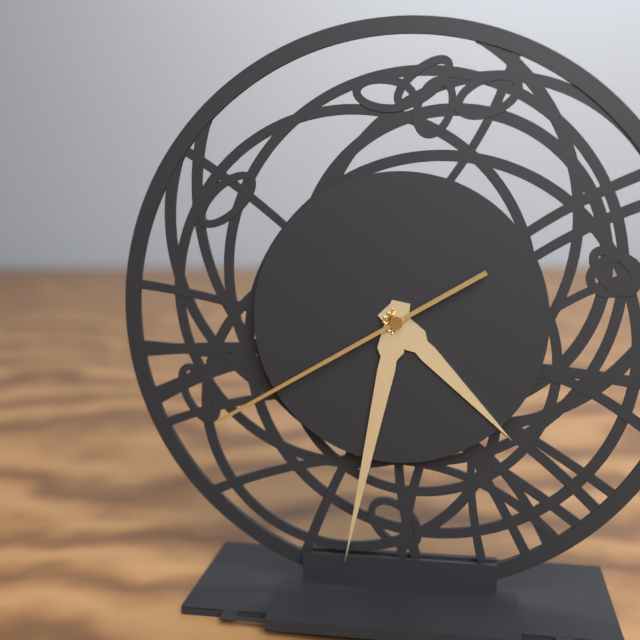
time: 4:32:40
